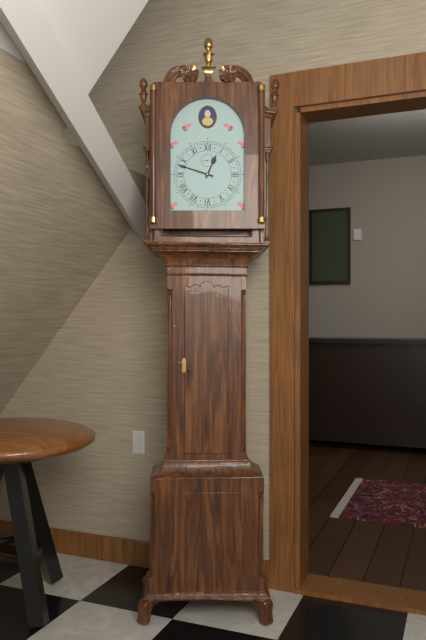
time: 12:48
